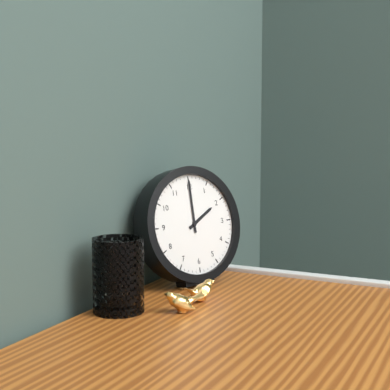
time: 2:00
